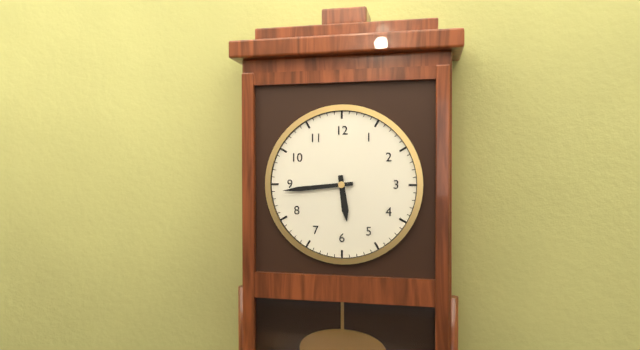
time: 5:44
